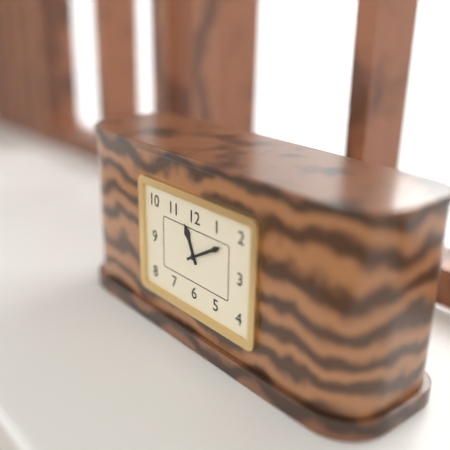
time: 11:10
